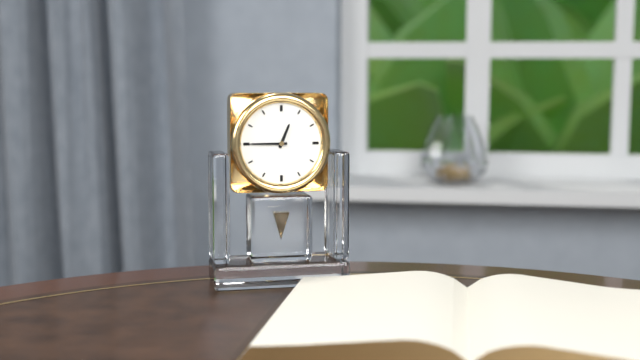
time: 12:45
